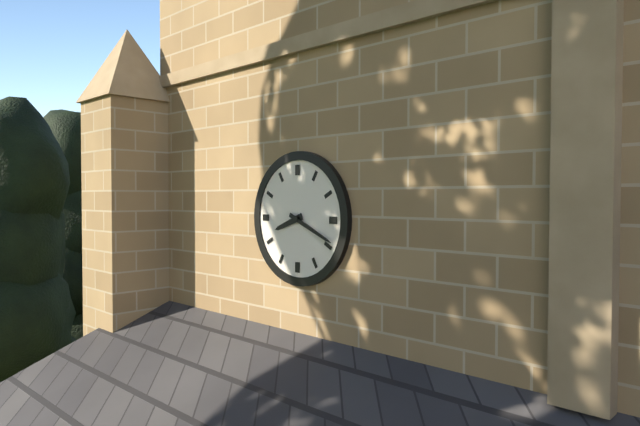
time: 8:19
